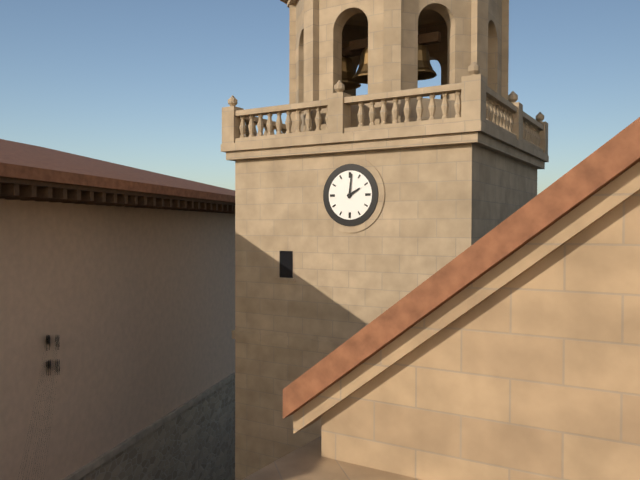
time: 2:01
